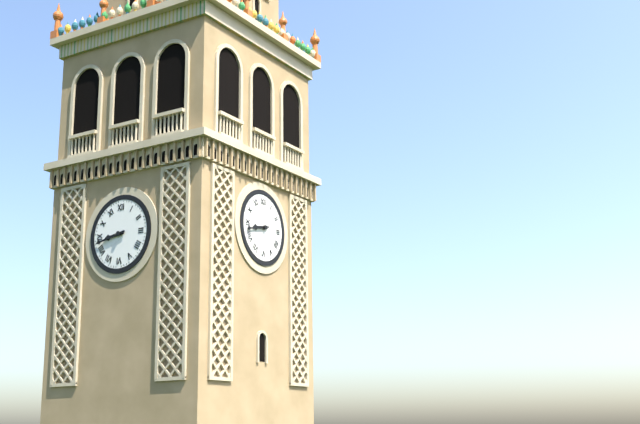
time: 8:43
